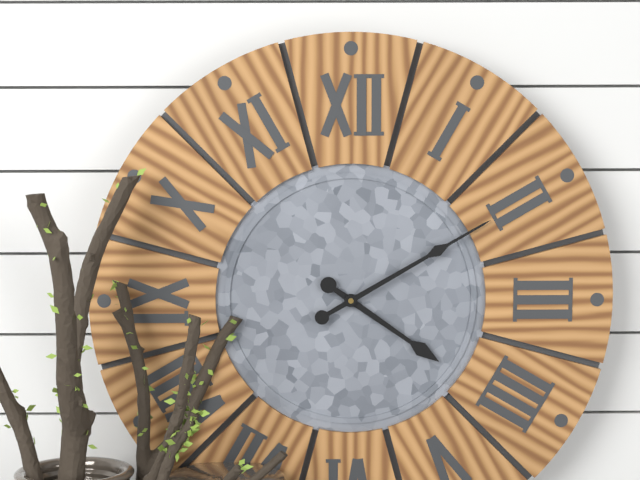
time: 4:10
